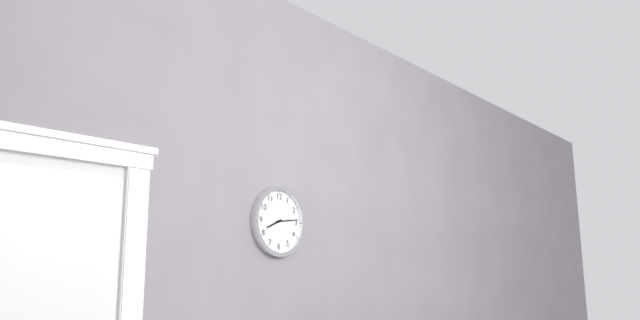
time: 8:14
